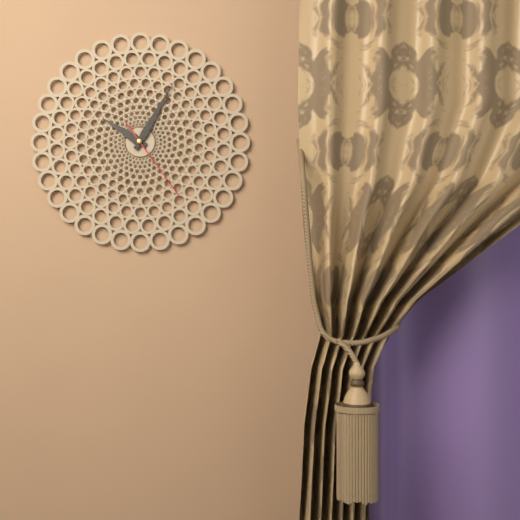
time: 10:05:24
